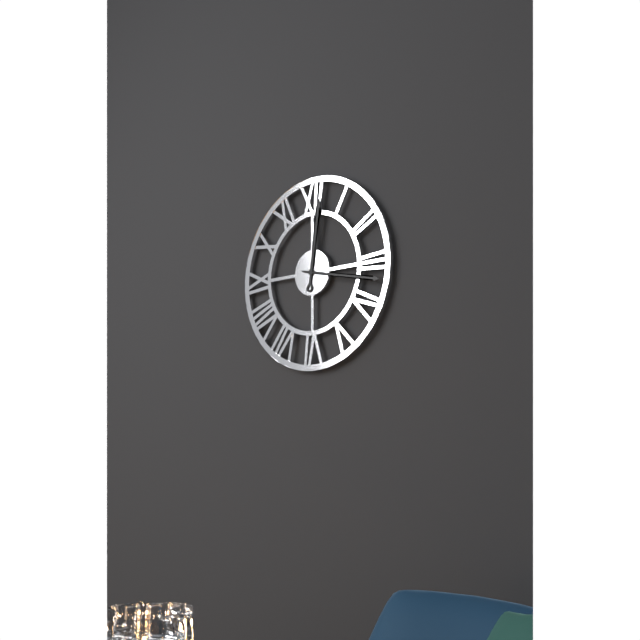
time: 12:17
